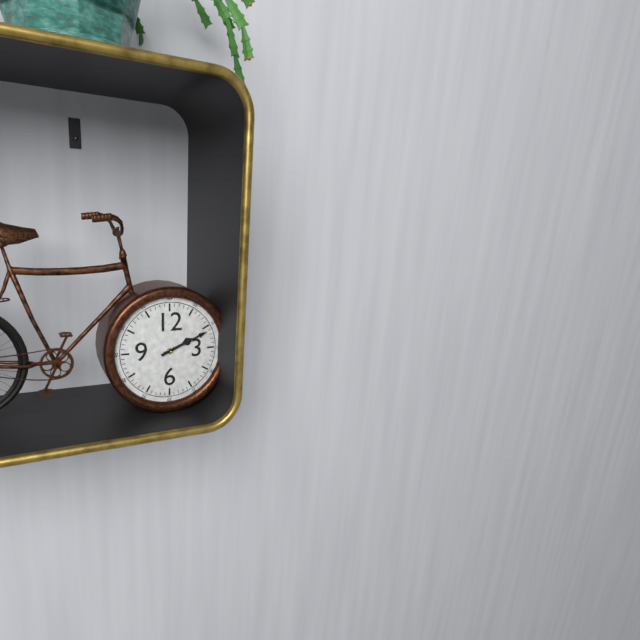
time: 2:11
